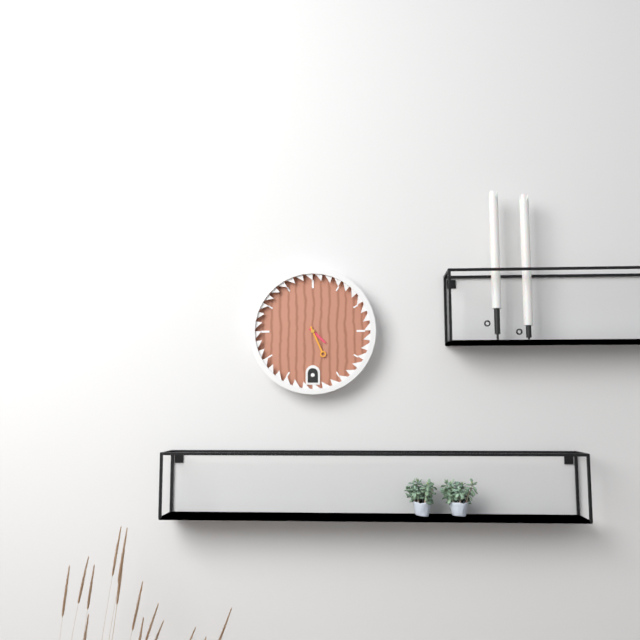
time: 4:26
